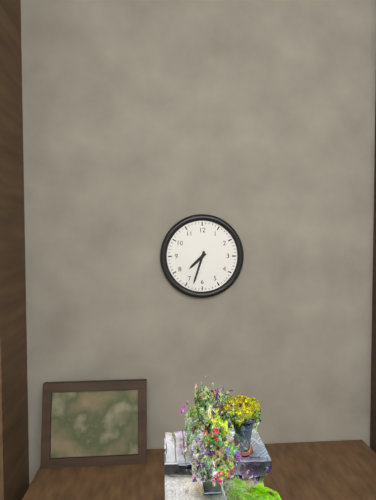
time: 7:33
